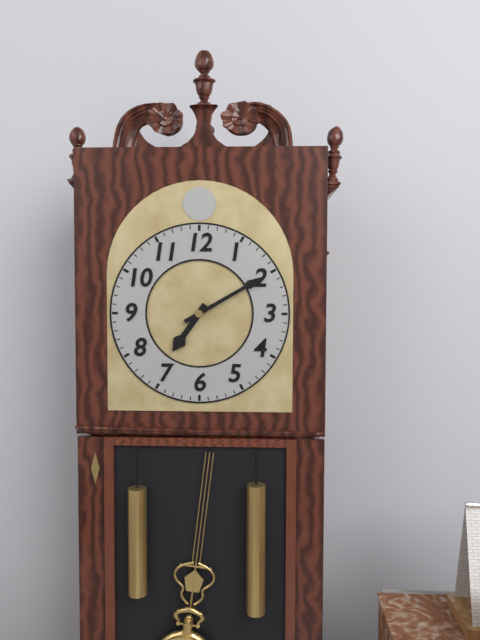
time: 7:10
